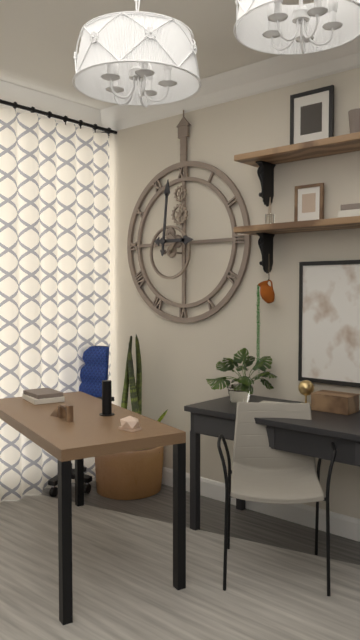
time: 3:01
